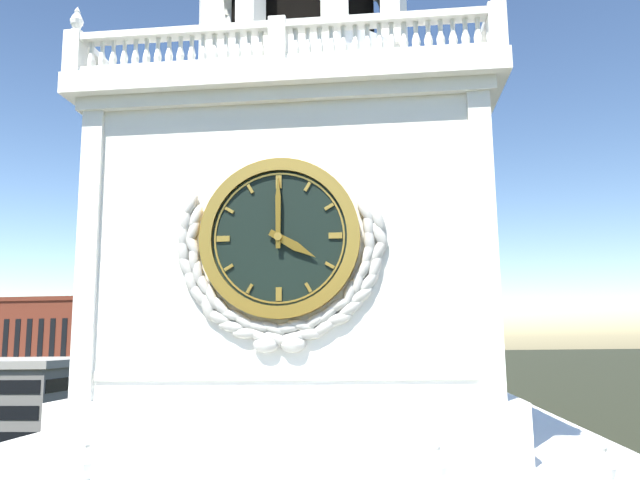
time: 4:00
